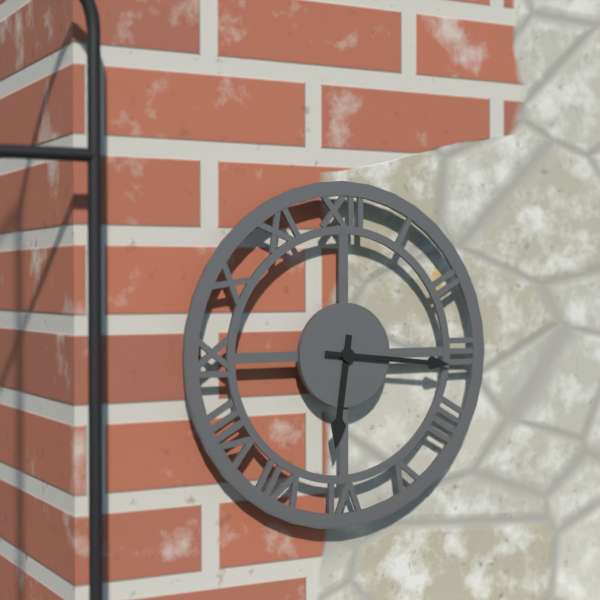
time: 6:16
